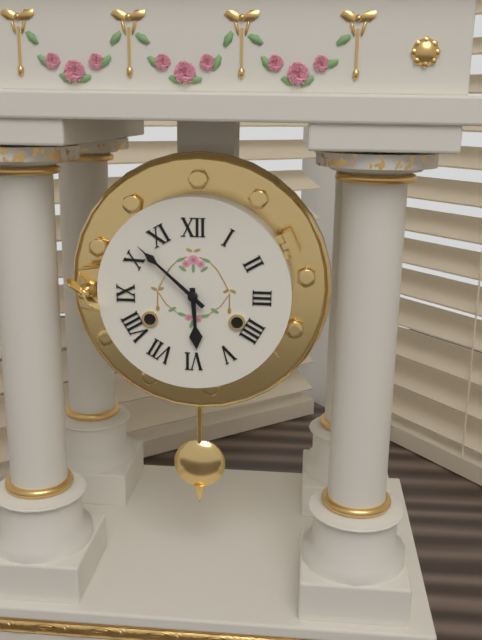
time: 5:52
